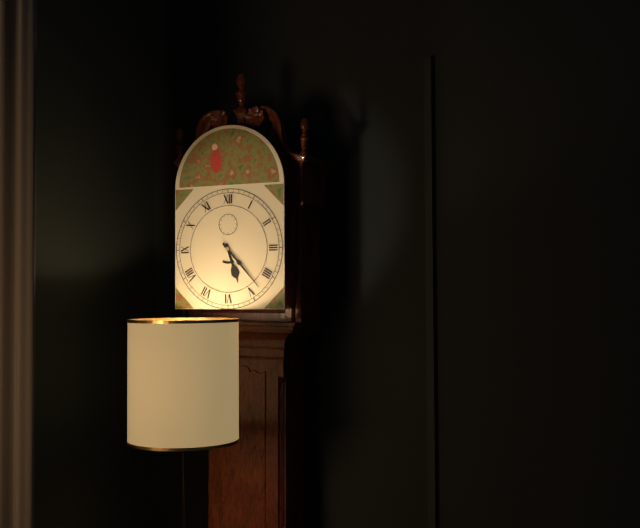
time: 5:23
